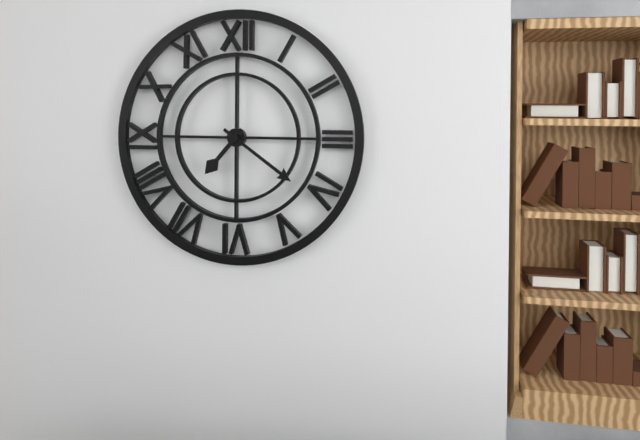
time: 7:21
